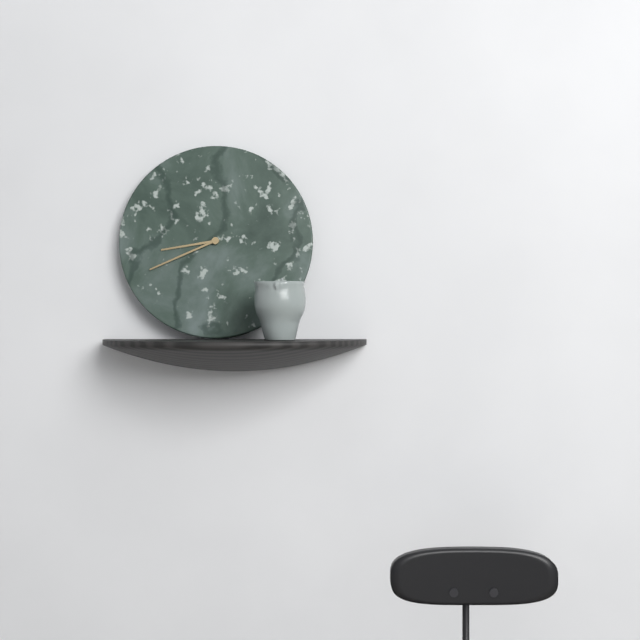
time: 8:41
